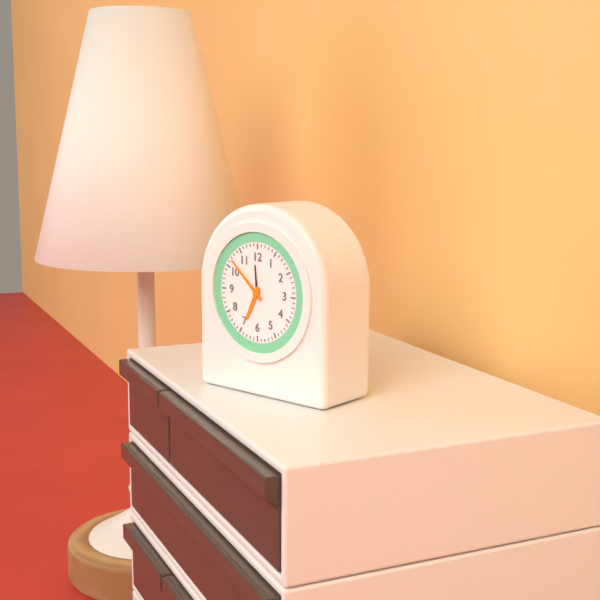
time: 6:52
